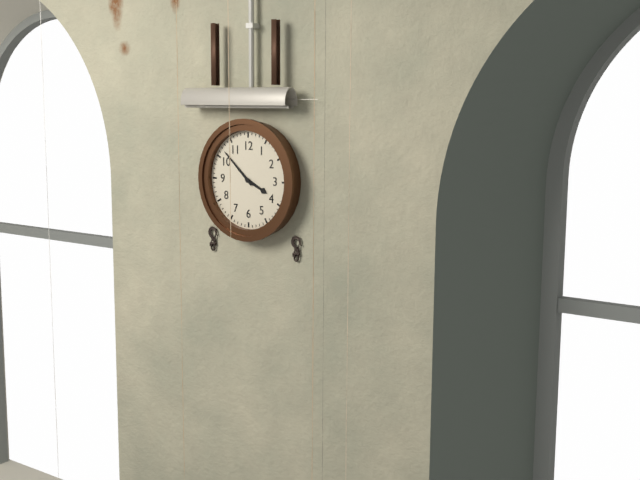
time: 3:52
